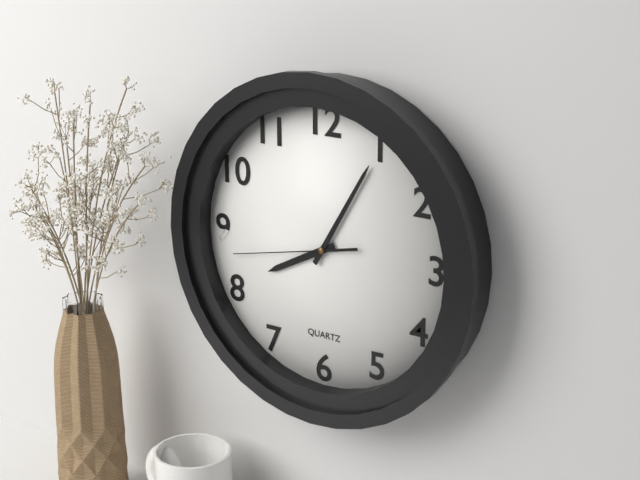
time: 8:05:43
